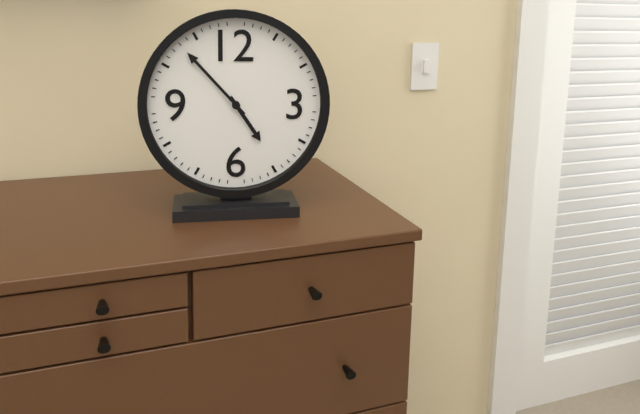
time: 4:53
